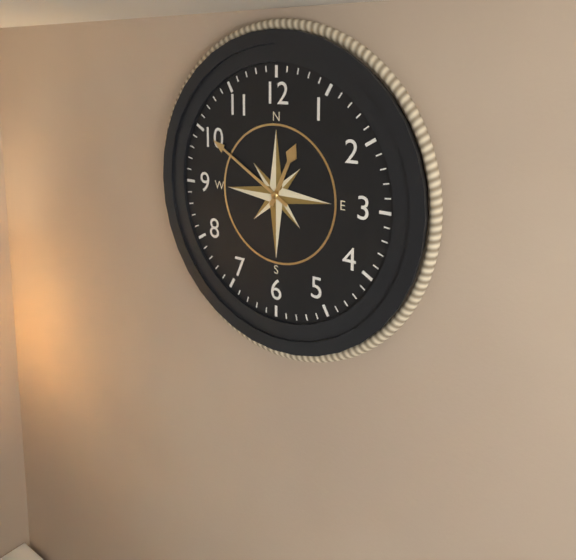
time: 12:50
